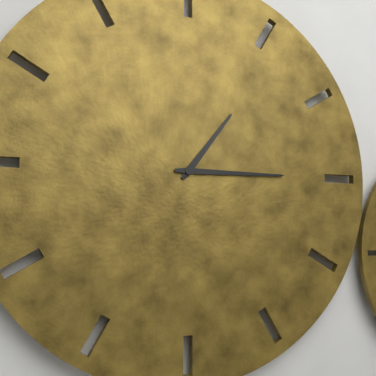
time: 1:15
